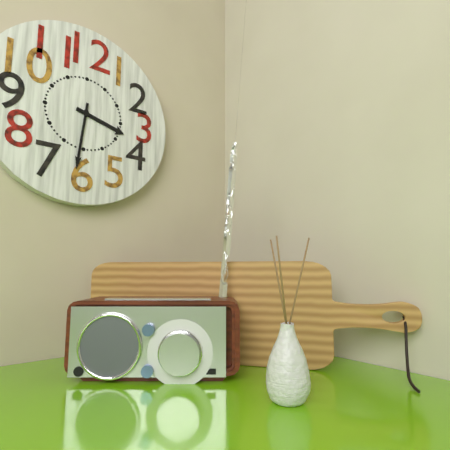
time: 3:31
